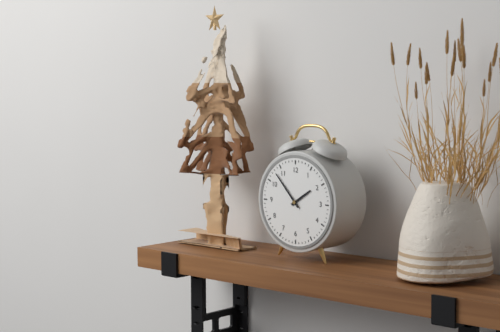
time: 1:53
